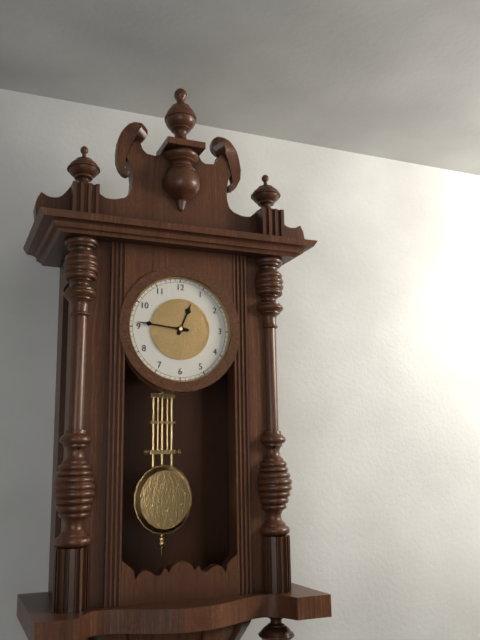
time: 12:46
